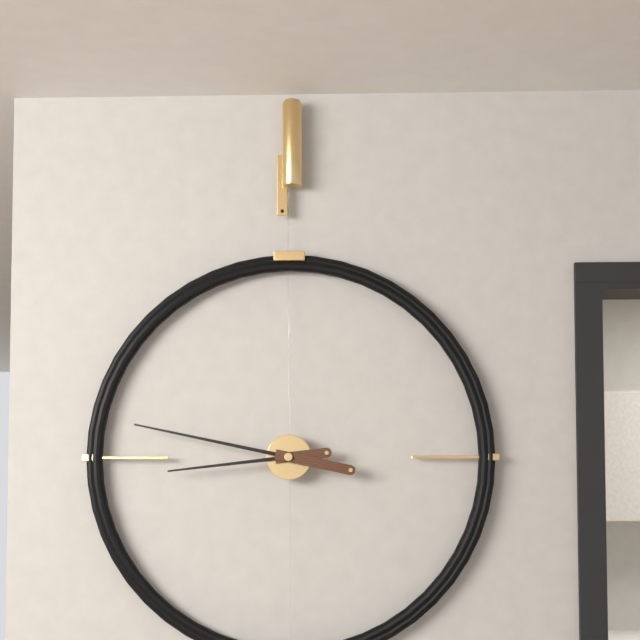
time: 8:47
